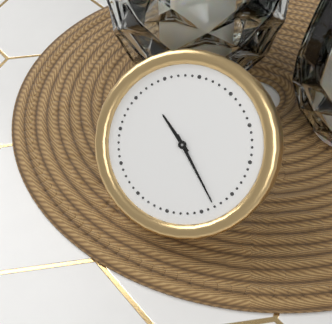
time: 10:23
